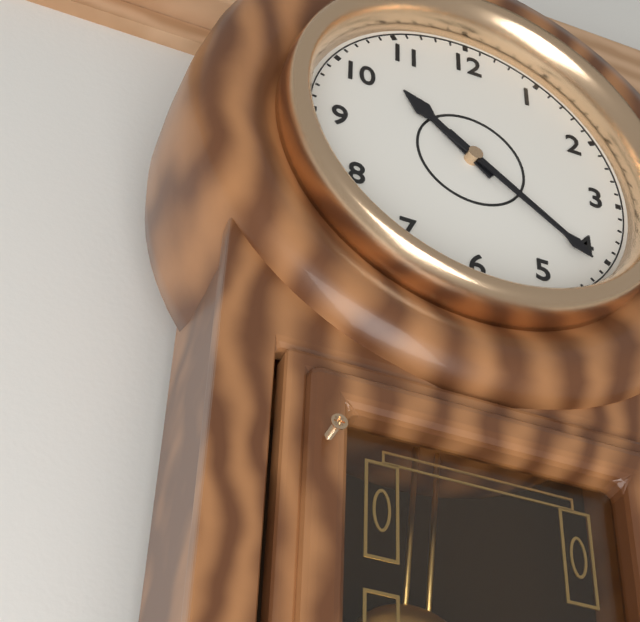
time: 10:21
